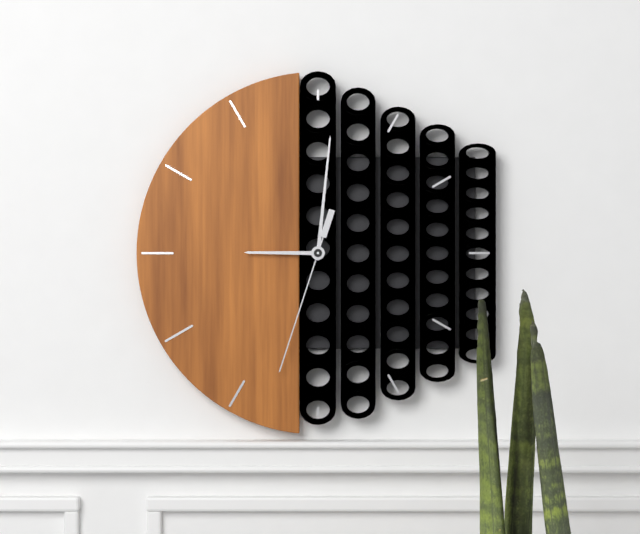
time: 9:01:33
